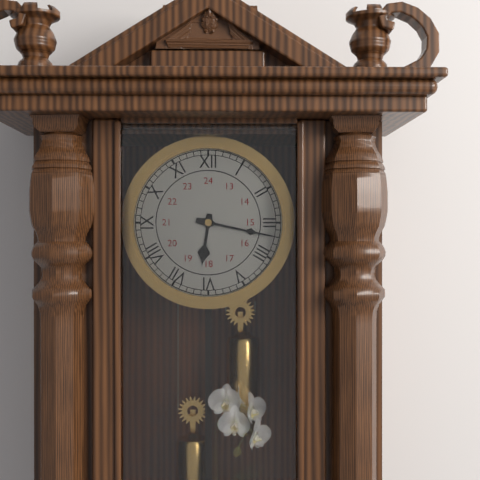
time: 6:17
